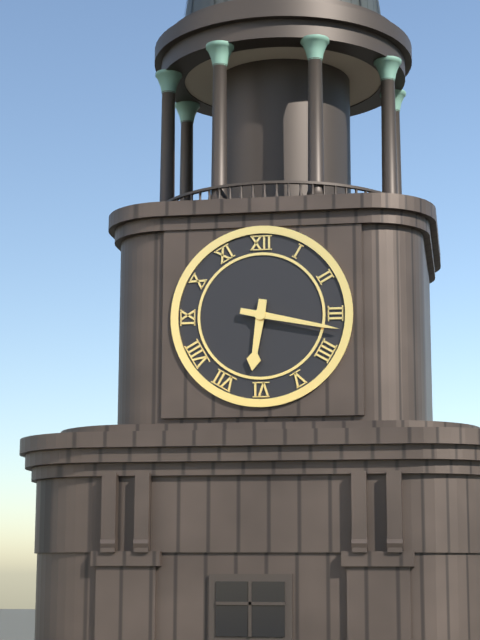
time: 6:17
